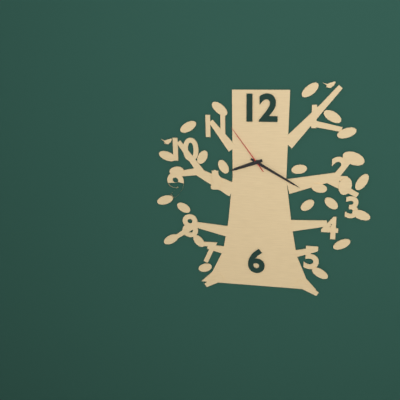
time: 8:20:54
